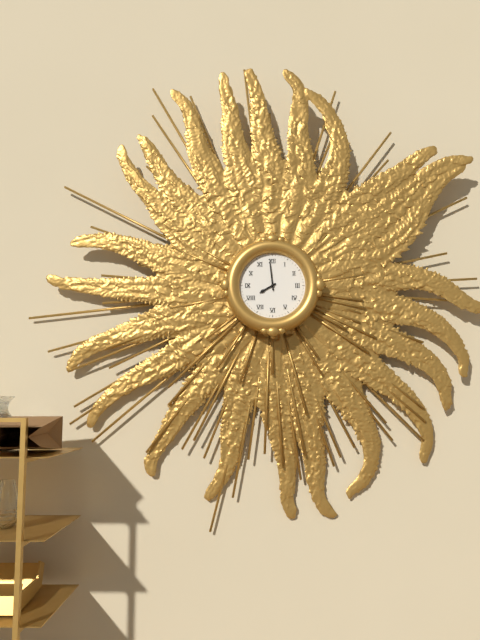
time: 7:59
